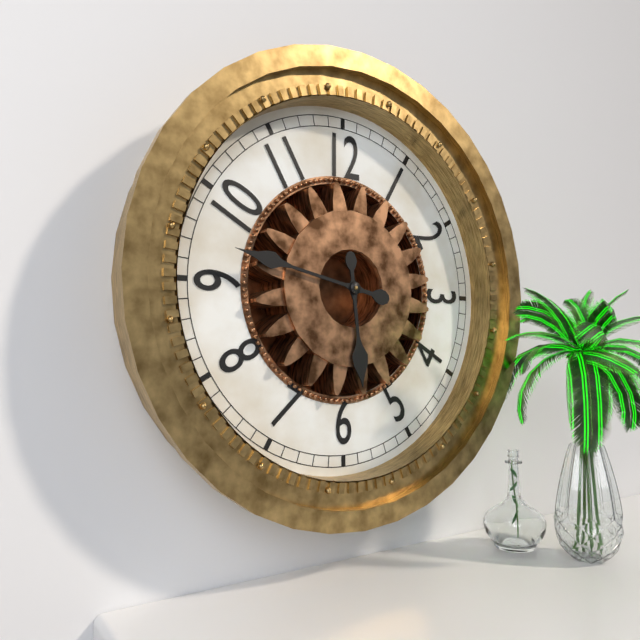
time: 5:47
